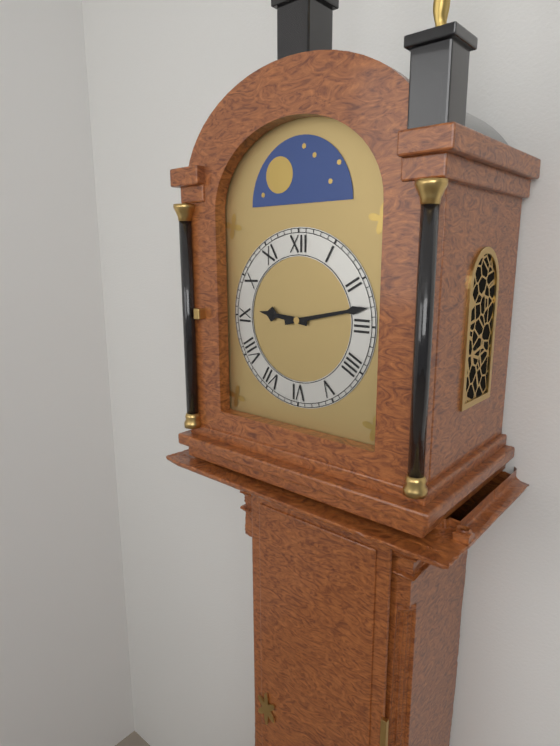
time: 9:13
